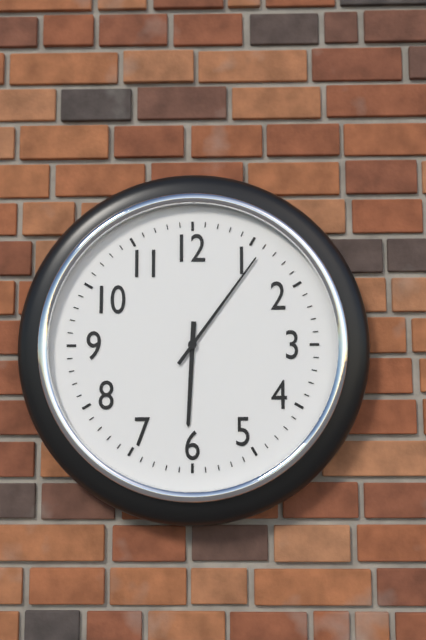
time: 6:06
